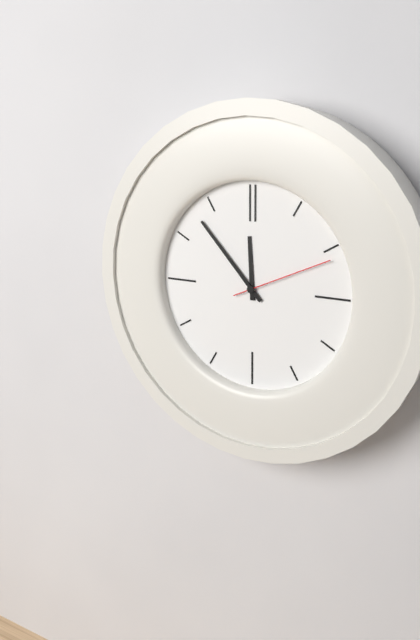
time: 11:53:11
